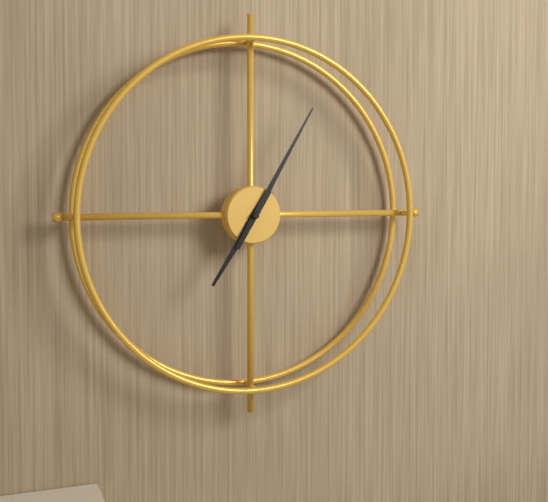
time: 7:05
